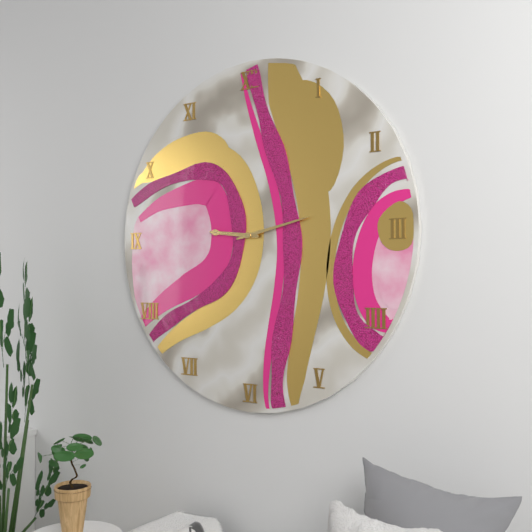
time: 9:13
